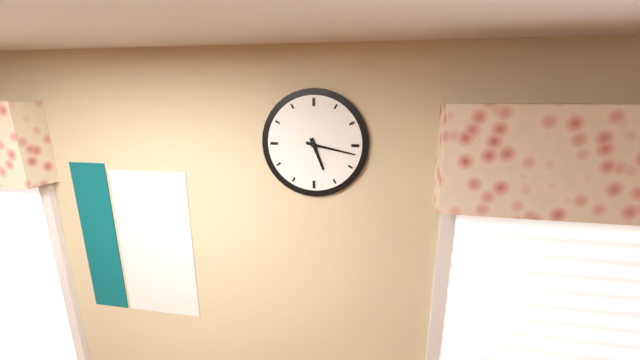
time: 5:17
